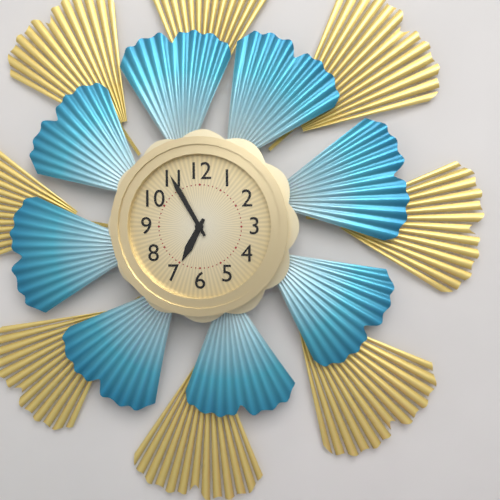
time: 6:55
